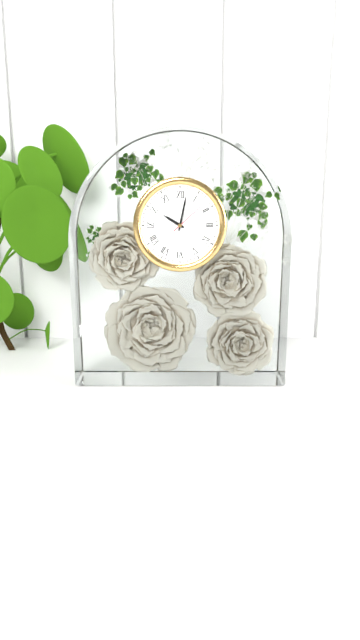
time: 10:02
